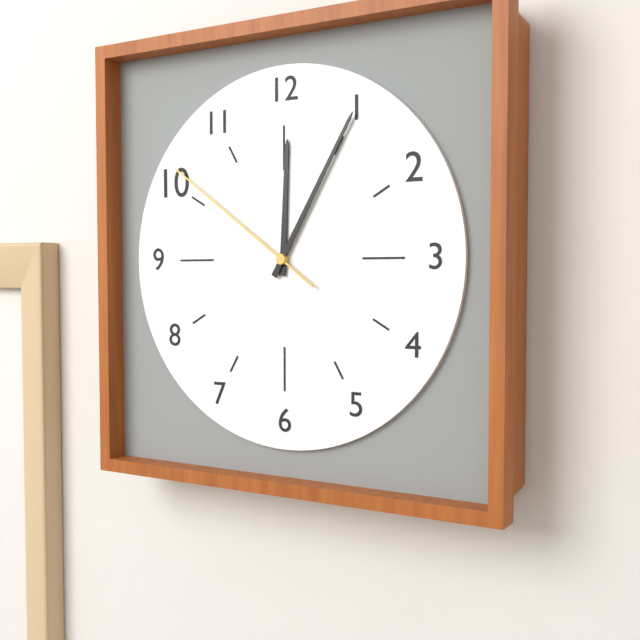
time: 12:05:51
